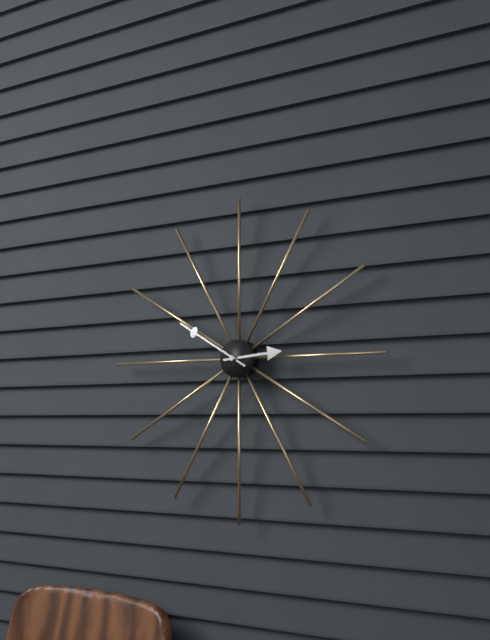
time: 2:50
